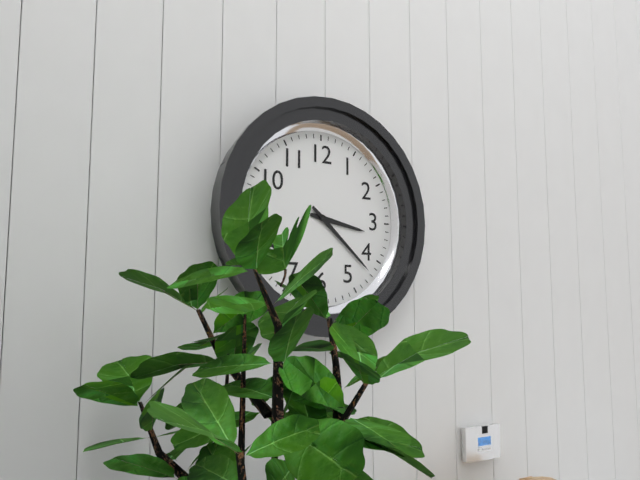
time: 3:22
